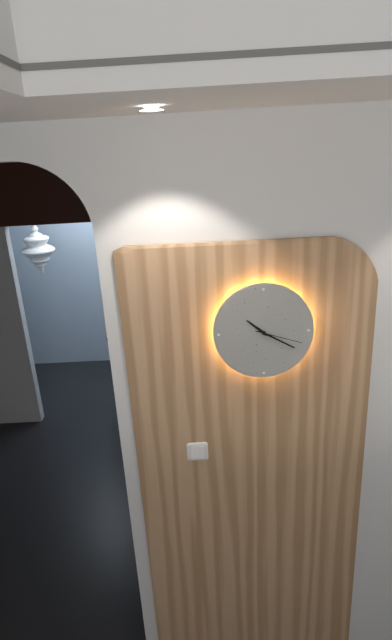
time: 10:20
